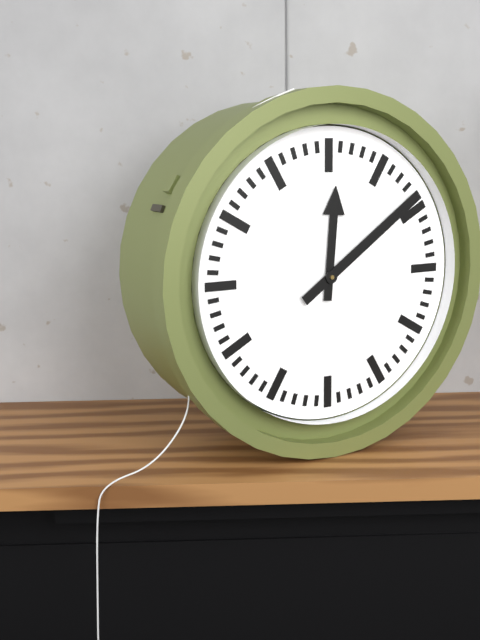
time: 12:09
